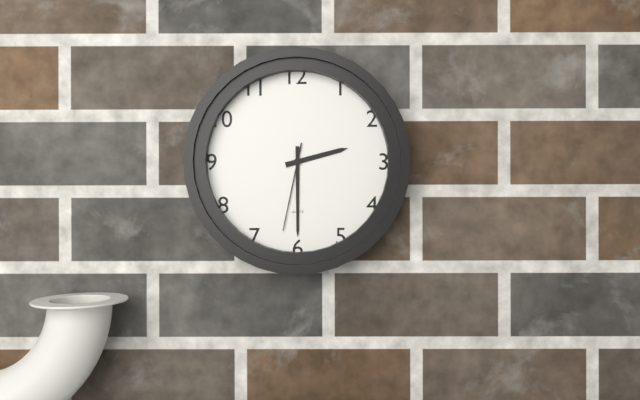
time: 2:30:32
